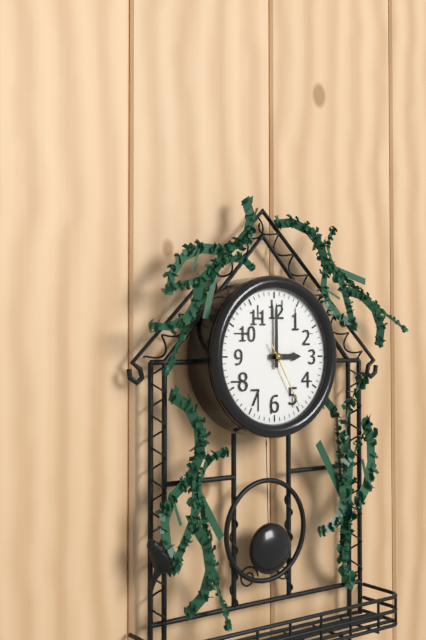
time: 3:00:25
